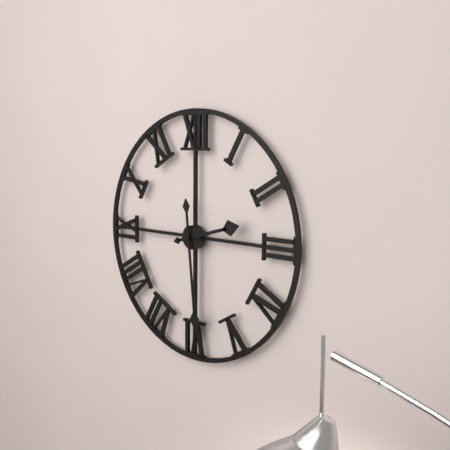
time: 2:29
